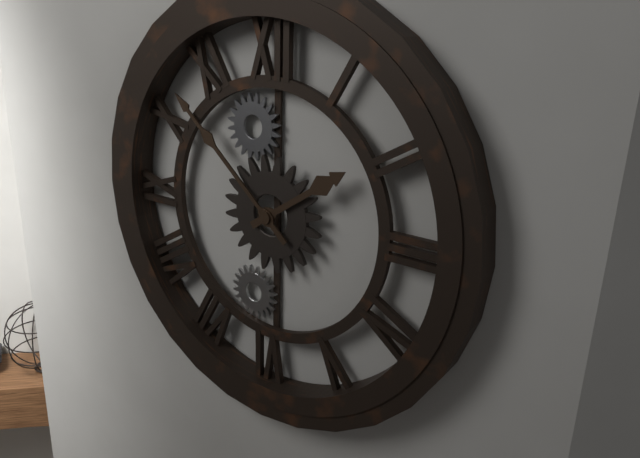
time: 1:52
